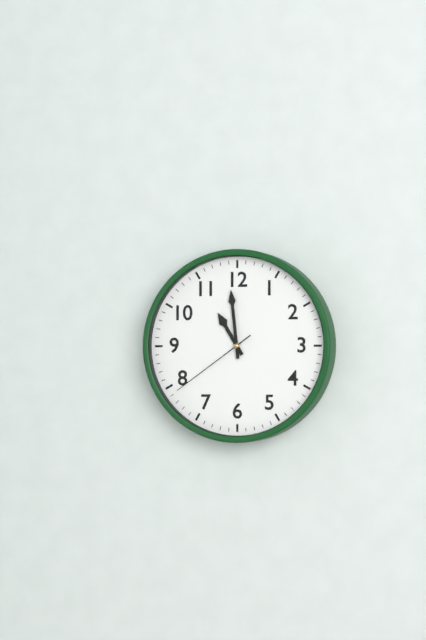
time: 10:59:39
